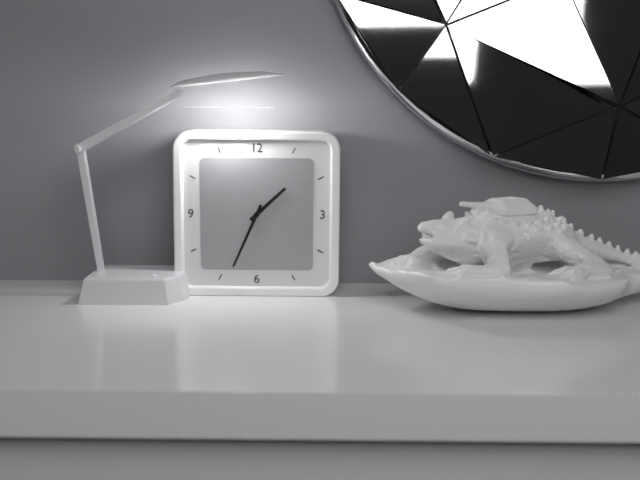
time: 1:34
